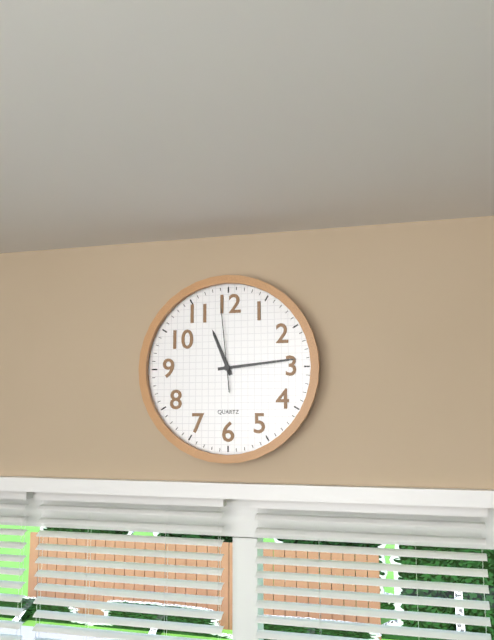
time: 11:14:59
